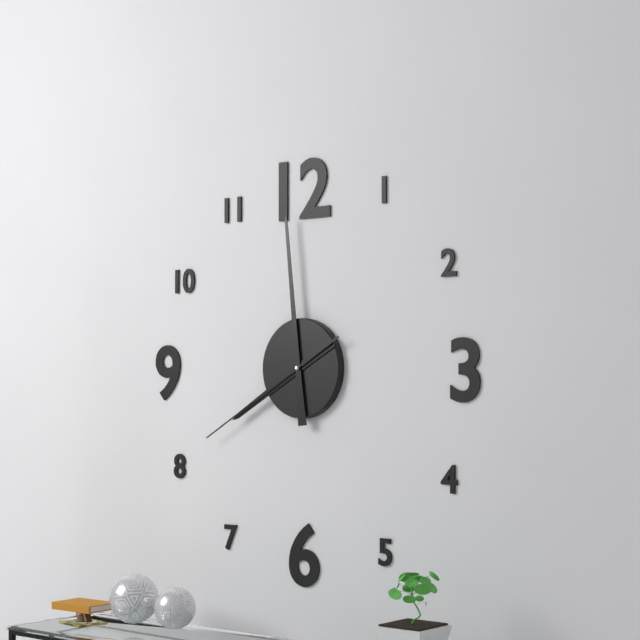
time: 7:59:40
